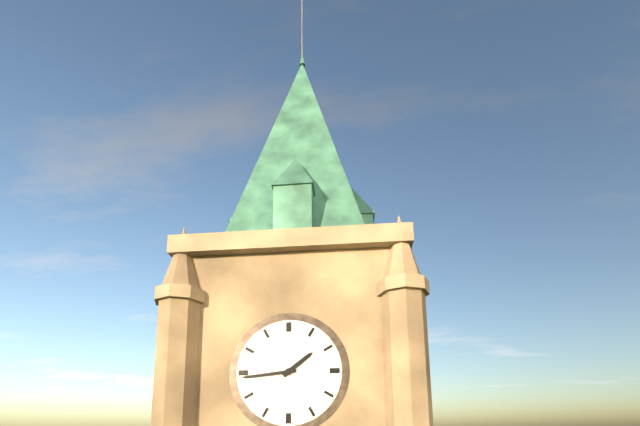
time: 1:44
